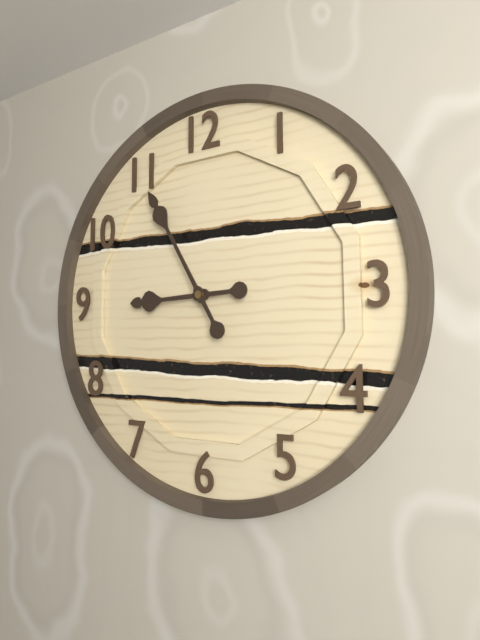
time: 8:55
